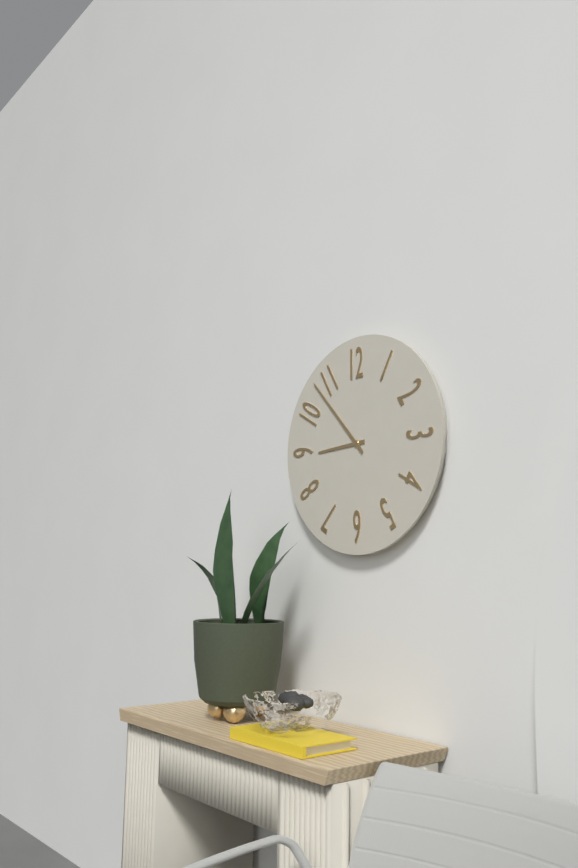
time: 8:53
